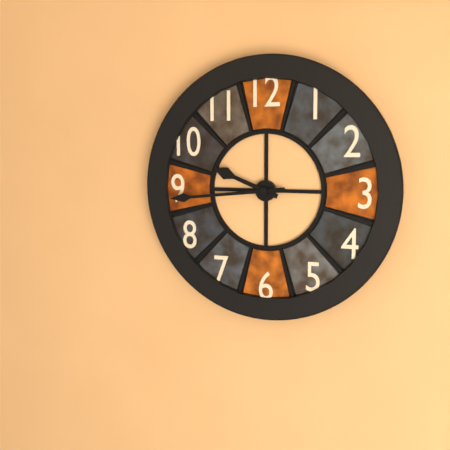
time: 9:44
